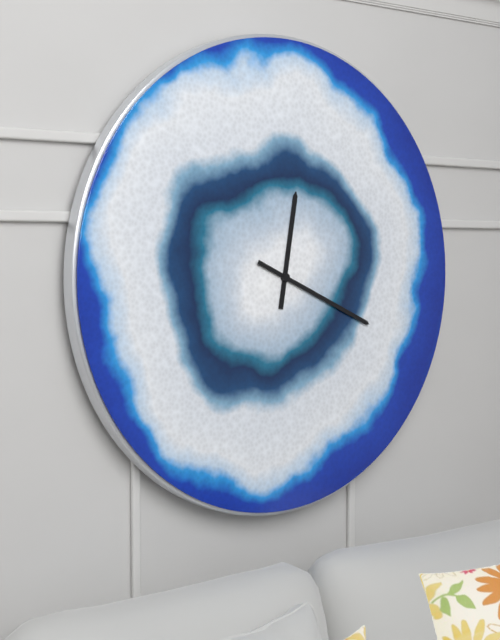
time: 12:19
